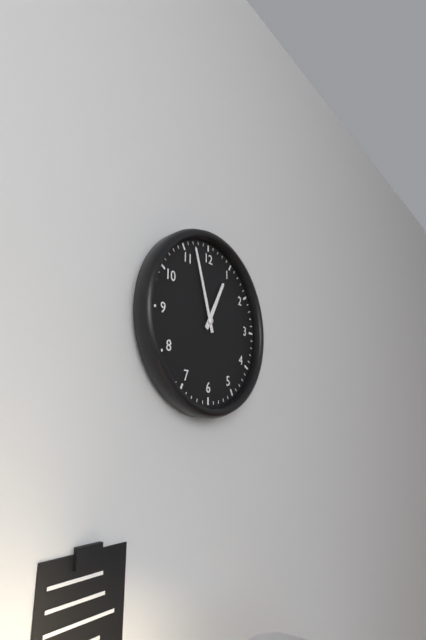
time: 12:57
